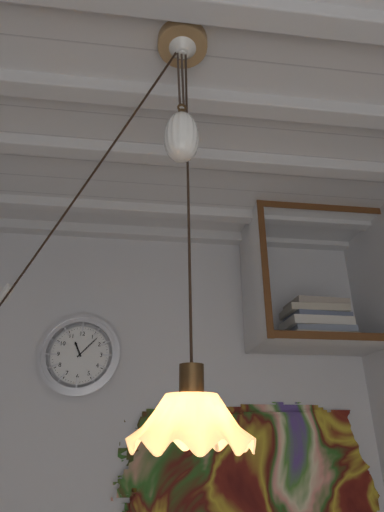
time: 11:07
